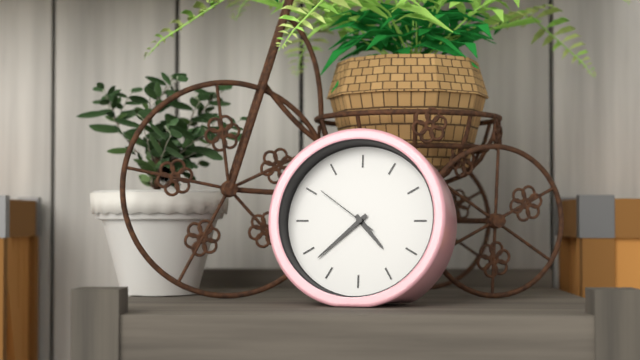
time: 4:38:51
